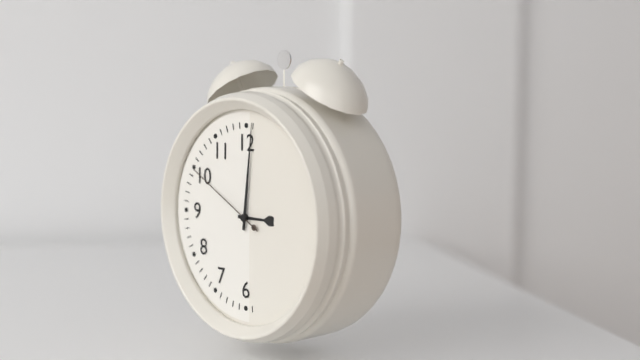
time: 3:01:50
